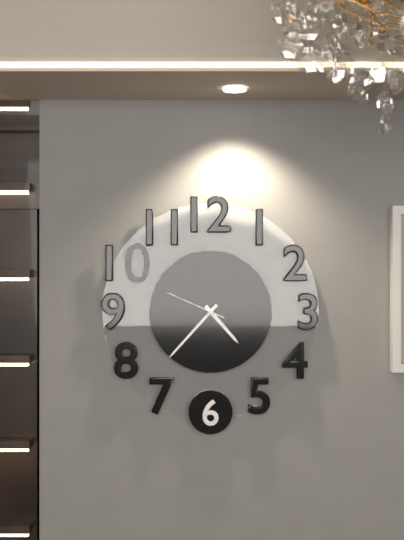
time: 4:37:49
